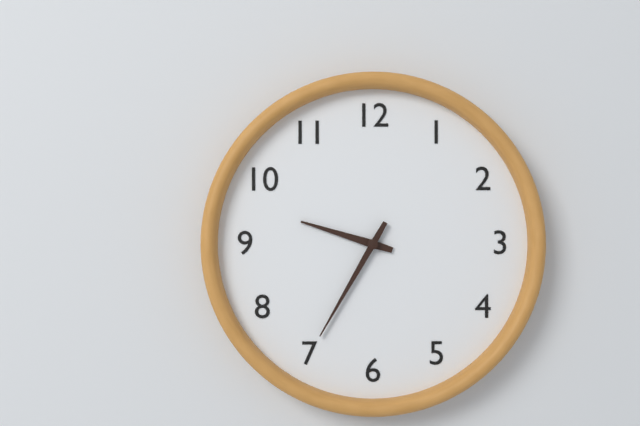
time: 9:35
